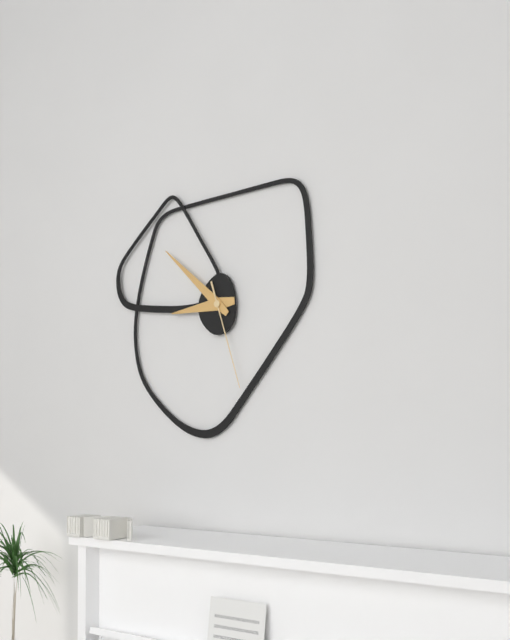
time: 8:52:27
